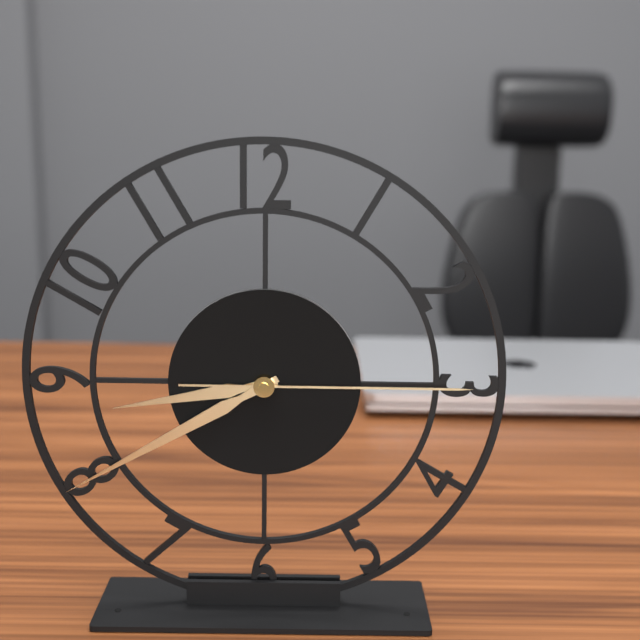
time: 8:40:15
